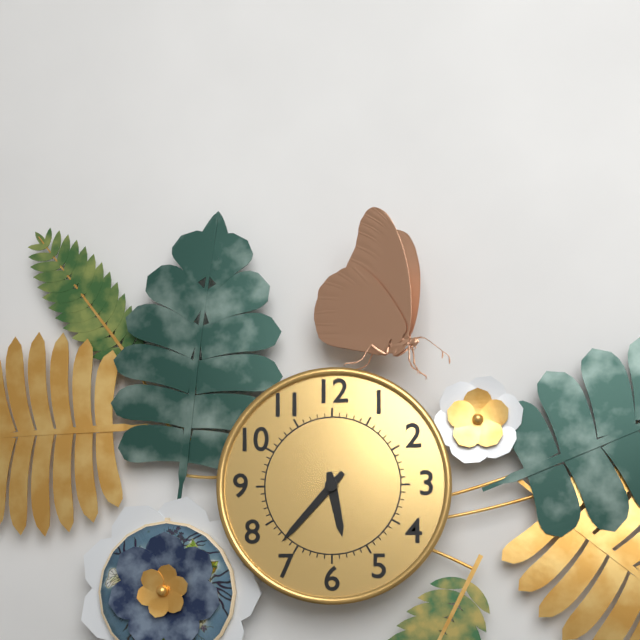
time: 5:37
